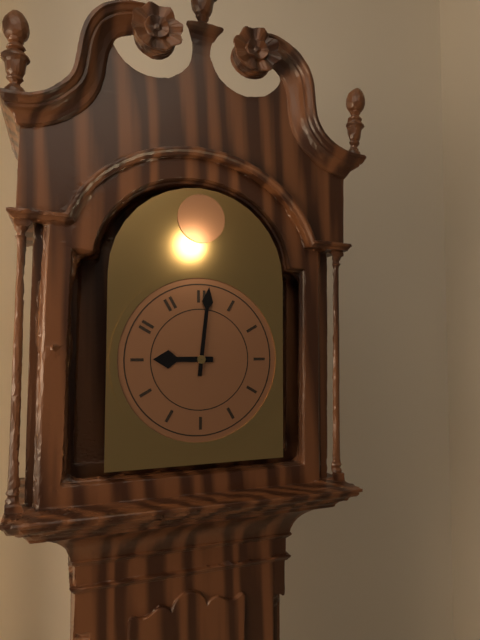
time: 9:01
